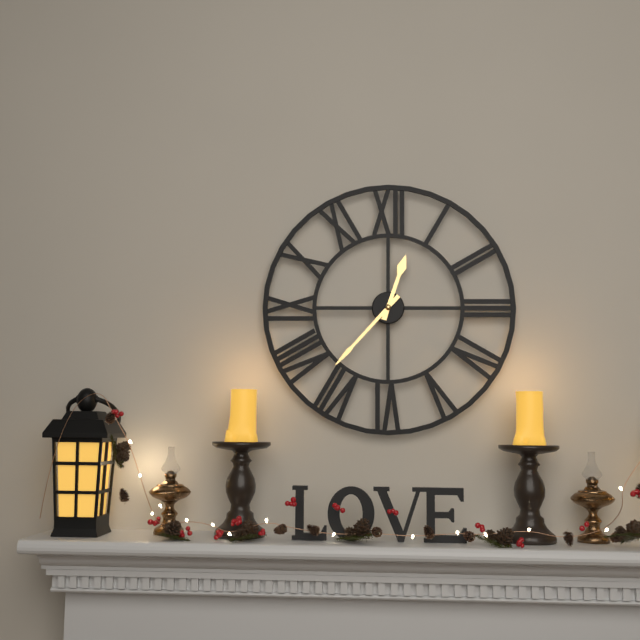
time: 12:37
